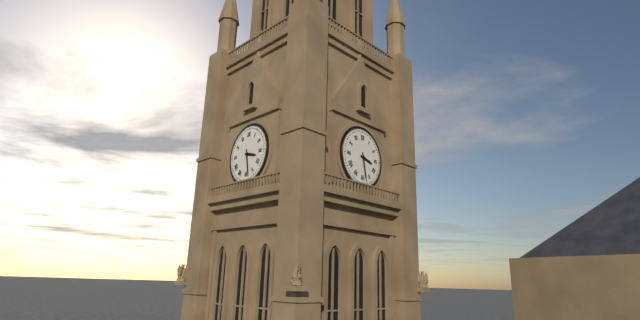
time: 3:28
